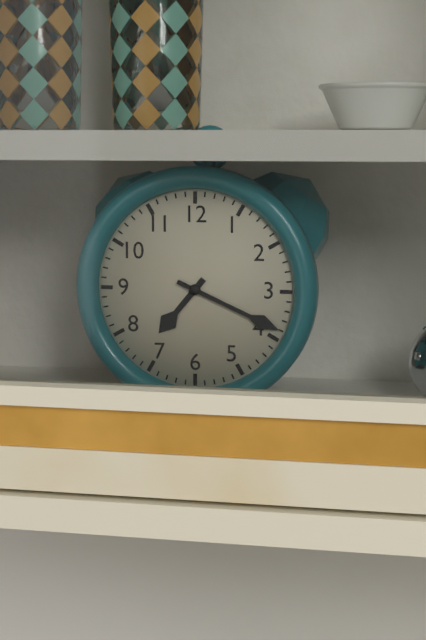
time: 7:19
